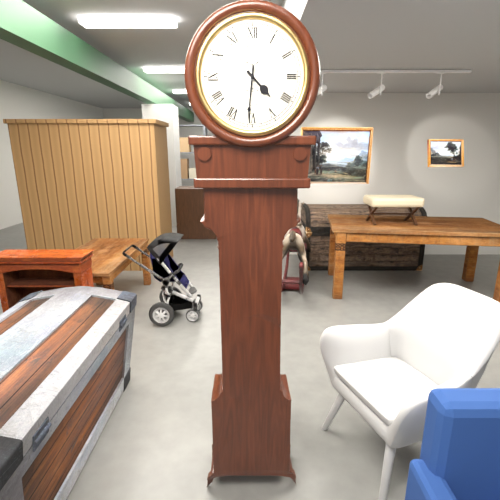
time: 4:31
